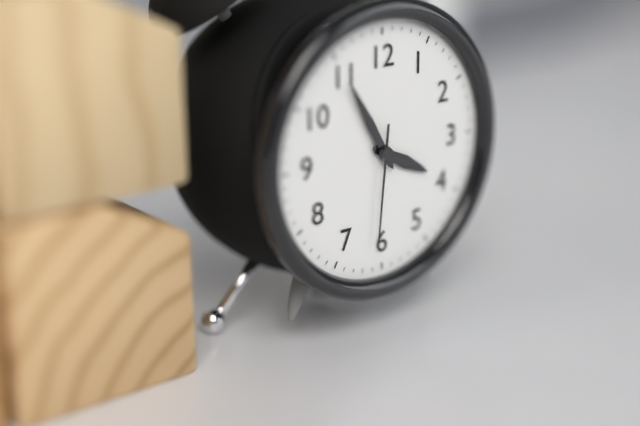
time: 3:55:31
